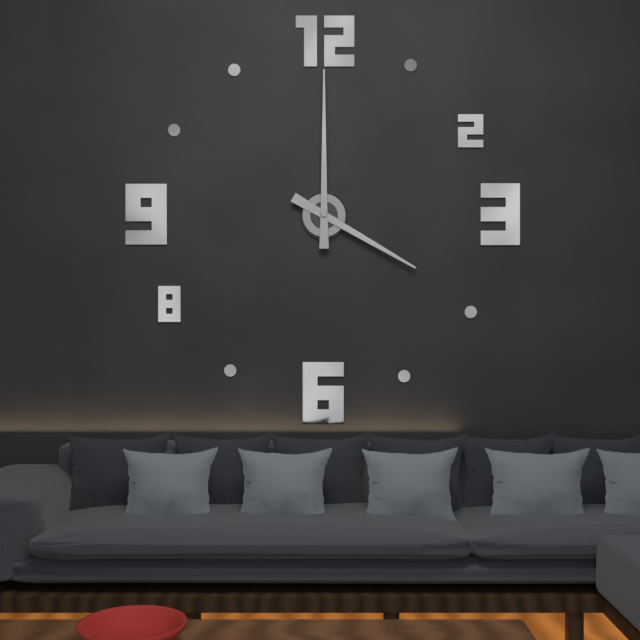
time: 4:00
